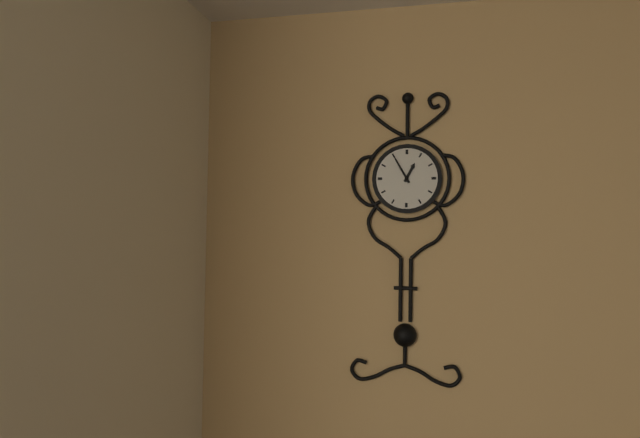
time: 12:55
